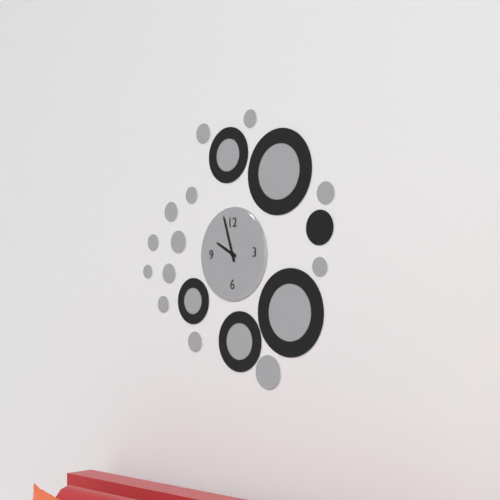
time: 9:57
